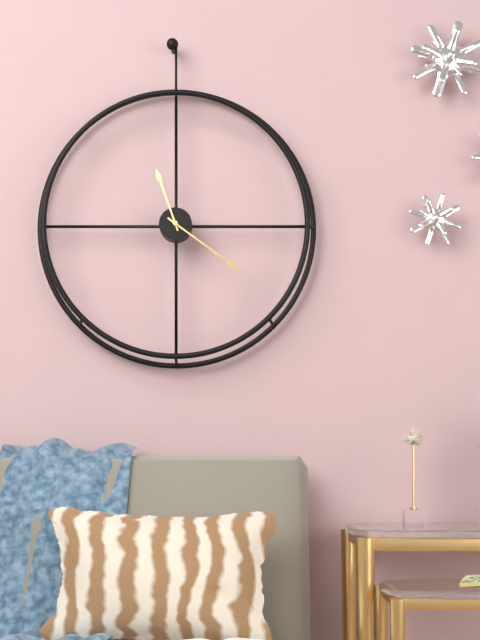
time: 11:21
